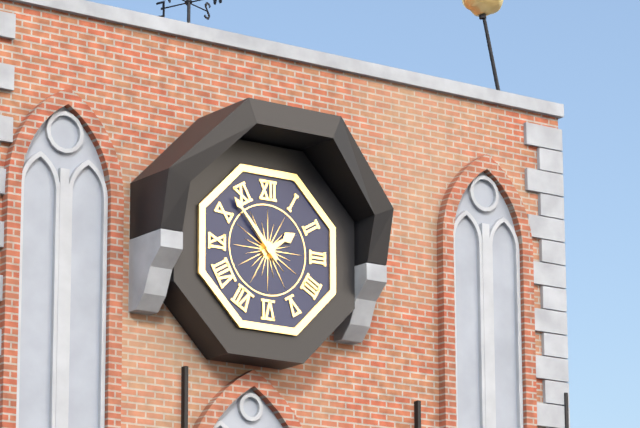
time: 1:53
